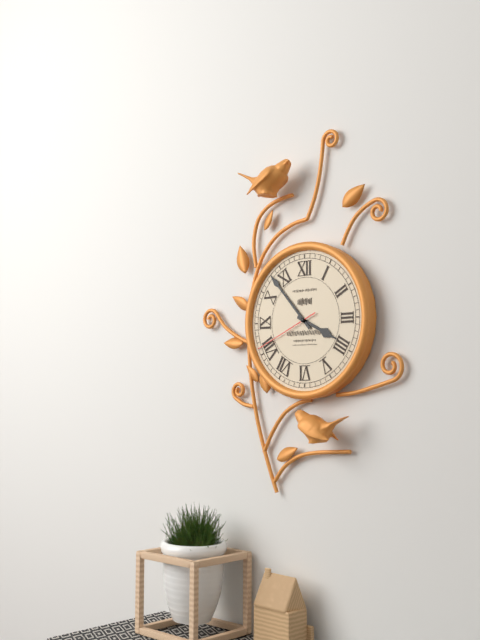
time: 3:53:41
